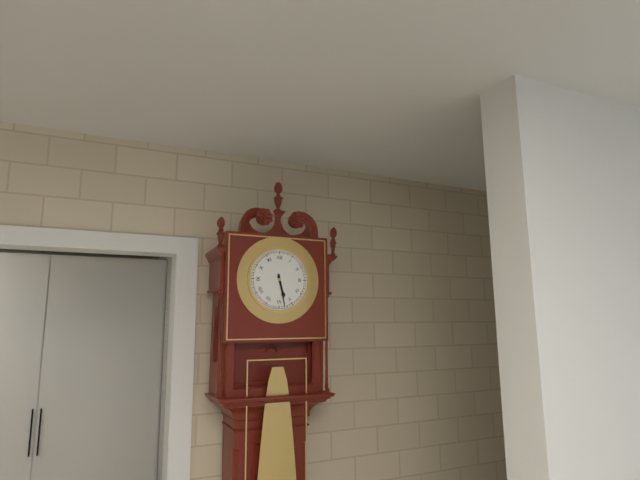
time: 5:28
